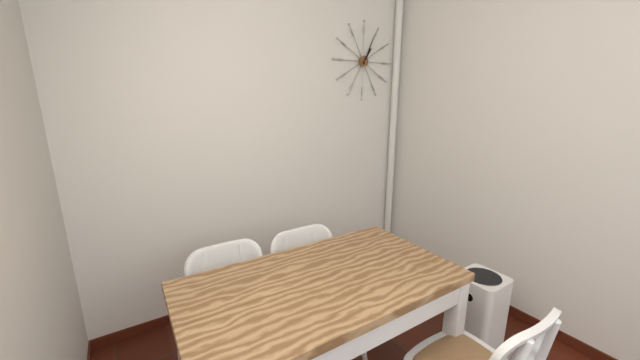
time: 1:04
